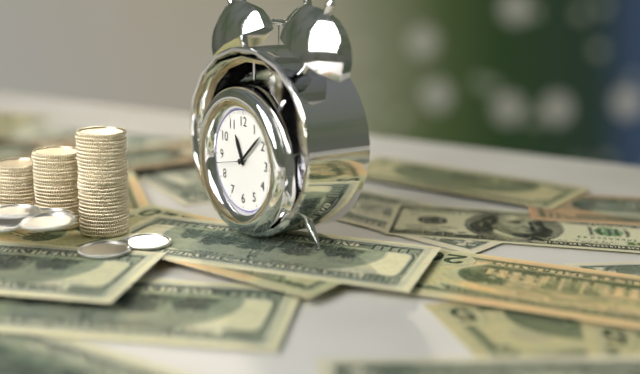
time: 11:08
